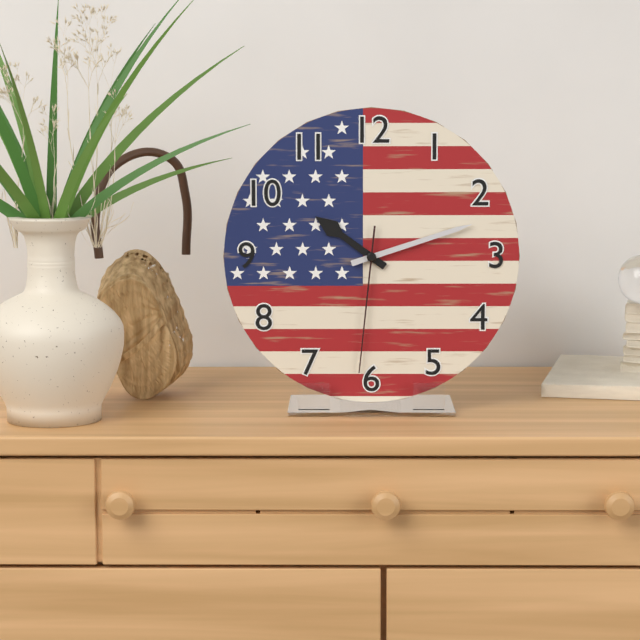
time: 10:12:31
